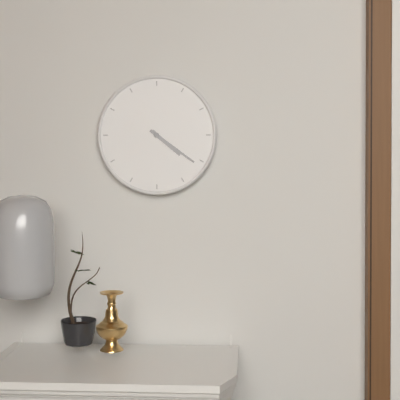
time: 4:21
